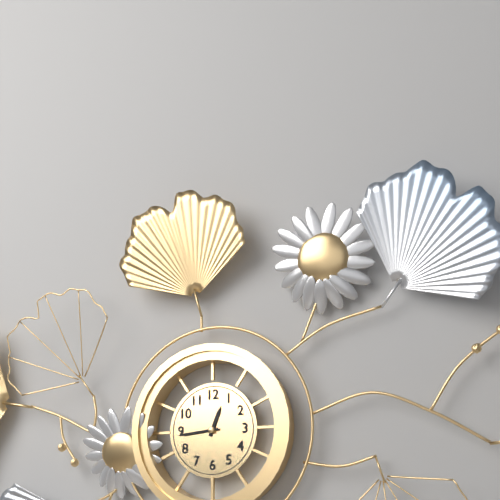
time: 12:44
